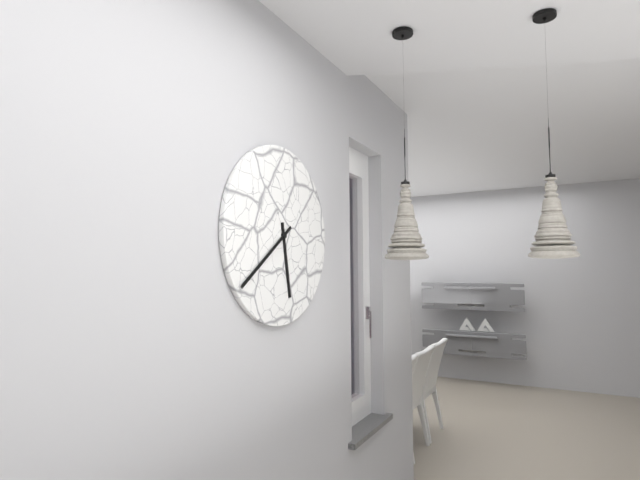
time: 5:39
